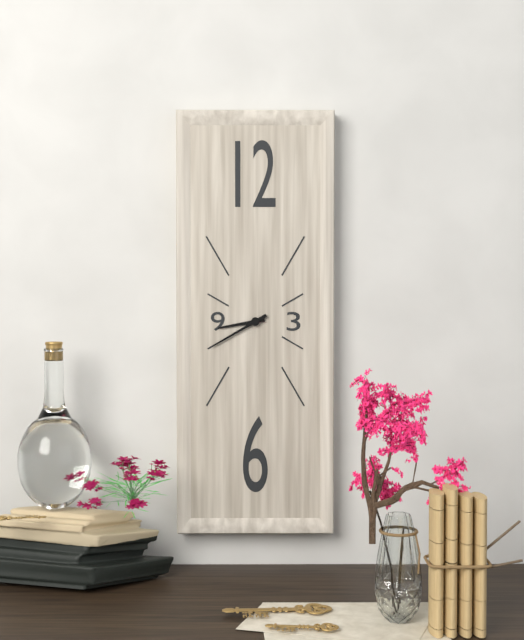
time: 8:40
